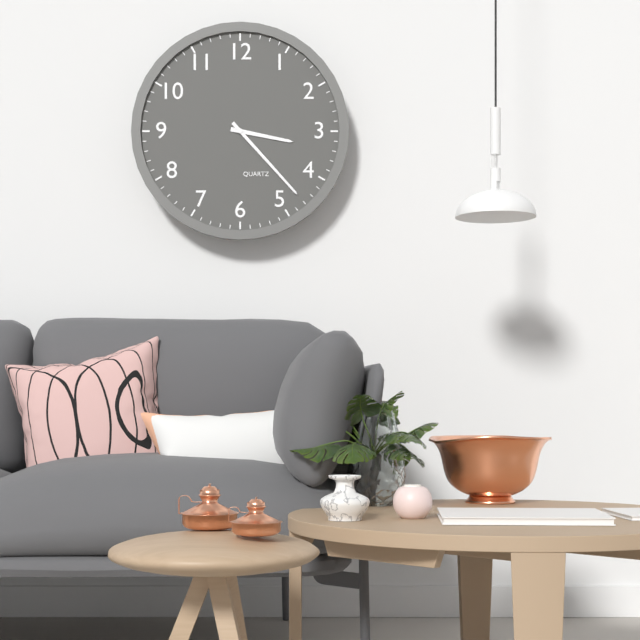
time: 3:23
